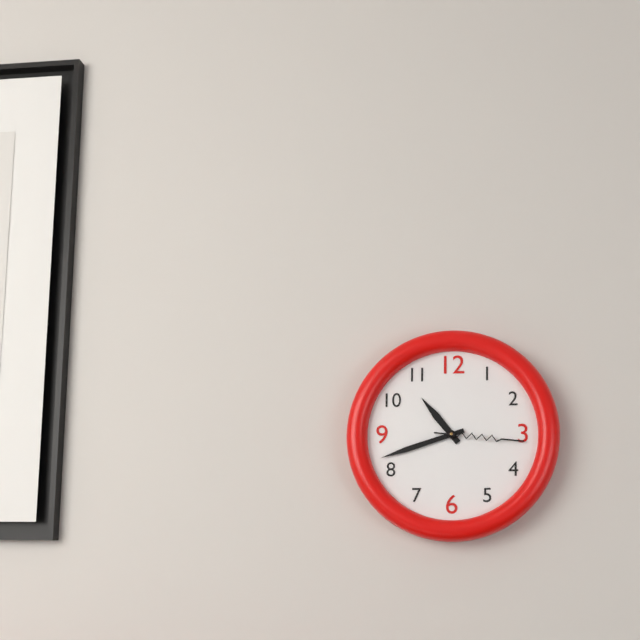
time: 10:42:16
